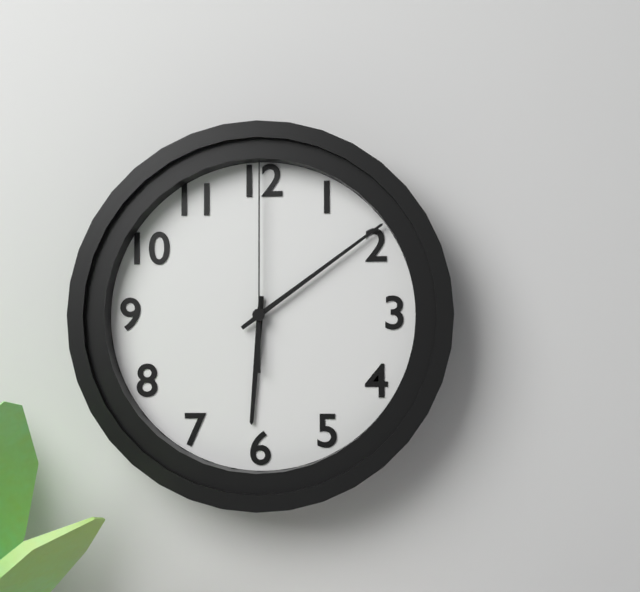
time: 6:09:00
